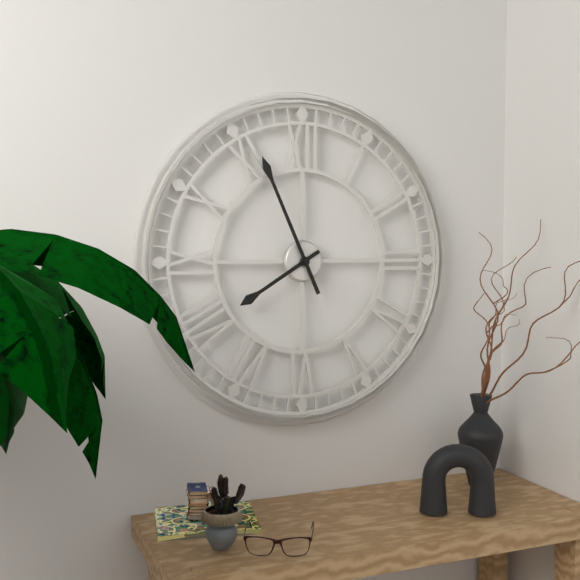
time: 7:56
